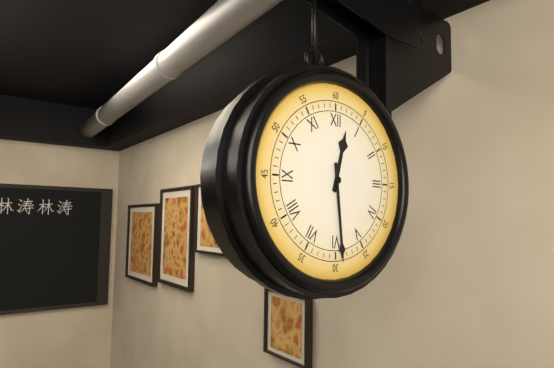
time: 12:29
